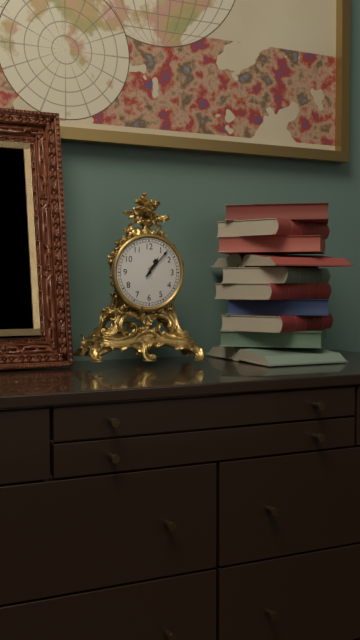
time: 1:07
